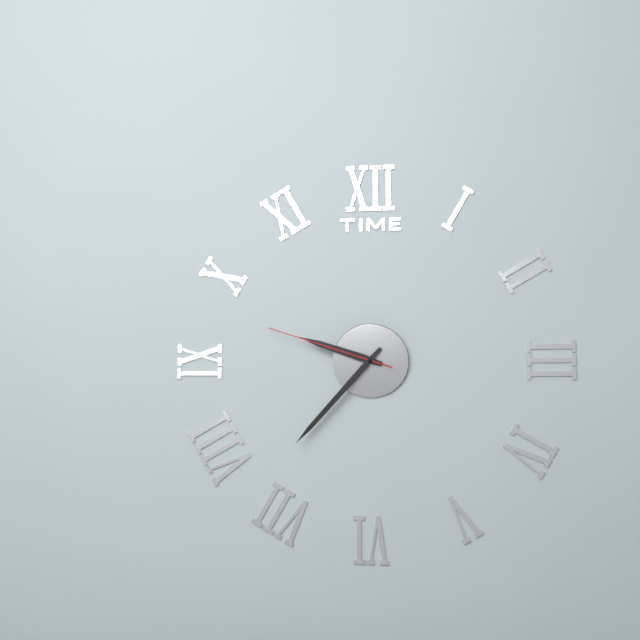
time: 9:37:48
